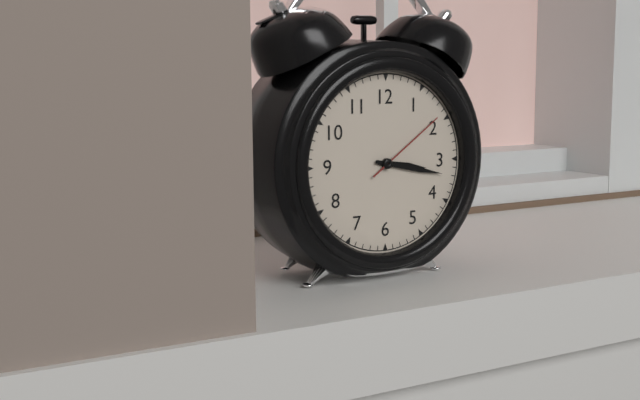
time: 3:17:09
